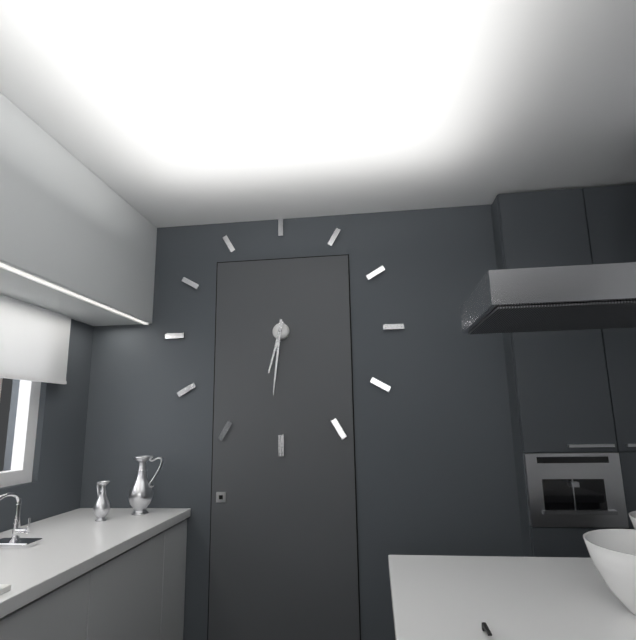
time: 6:31
